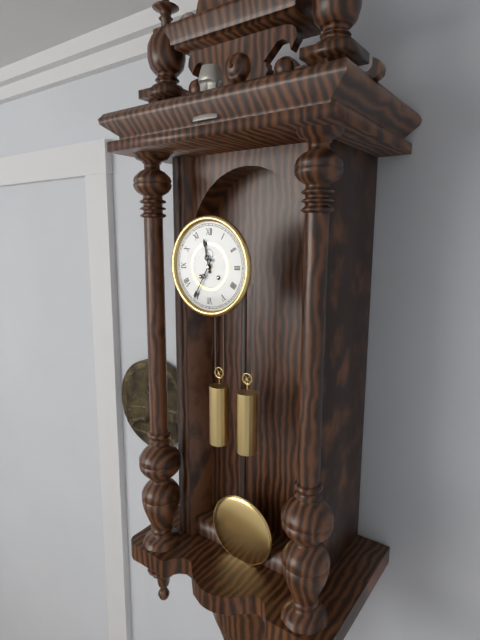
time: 11:35
